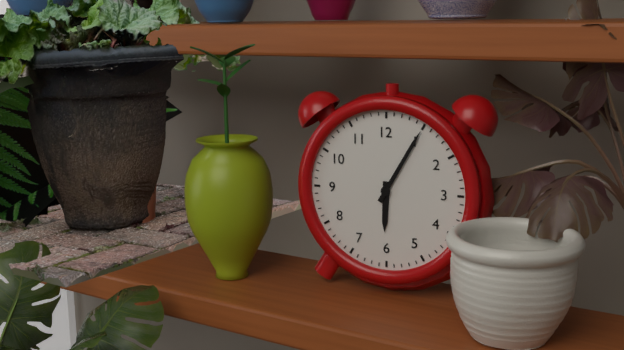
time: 6:05
